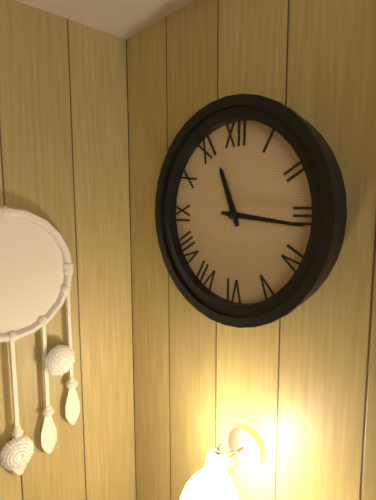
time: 11:16
